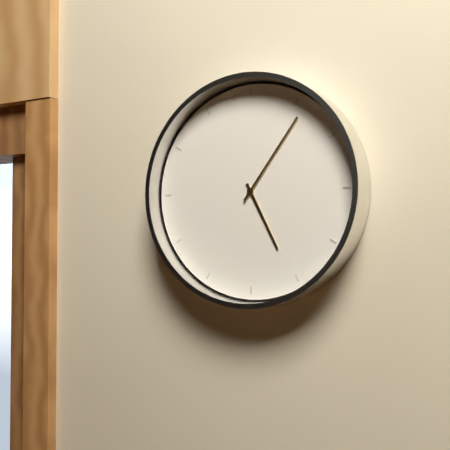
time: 5:06
